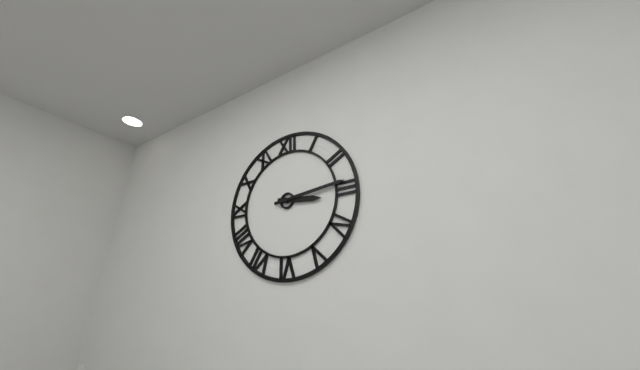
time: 3:14
